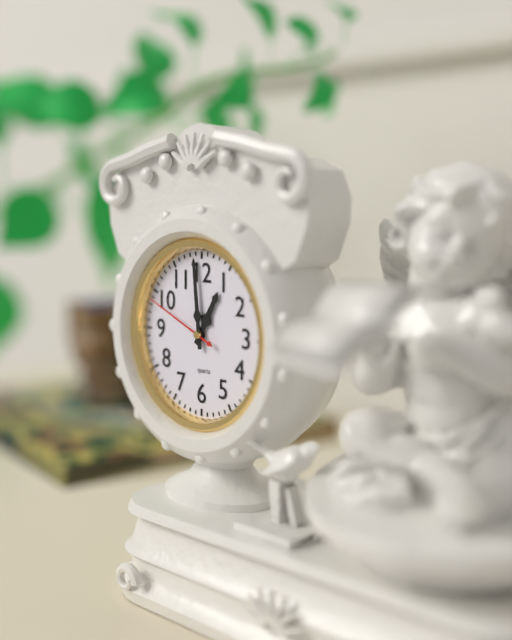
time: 12:59:49
